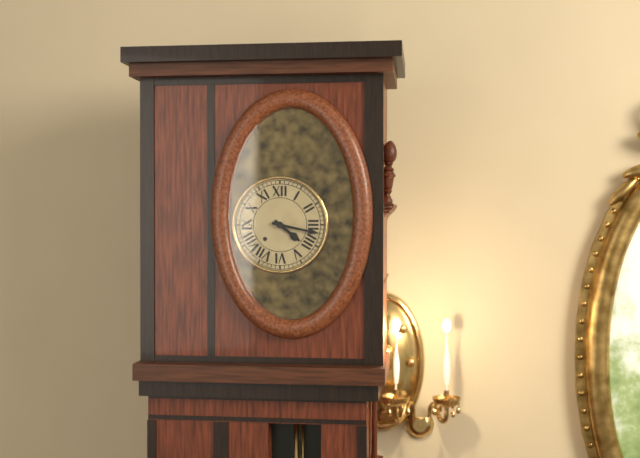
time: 4:17
